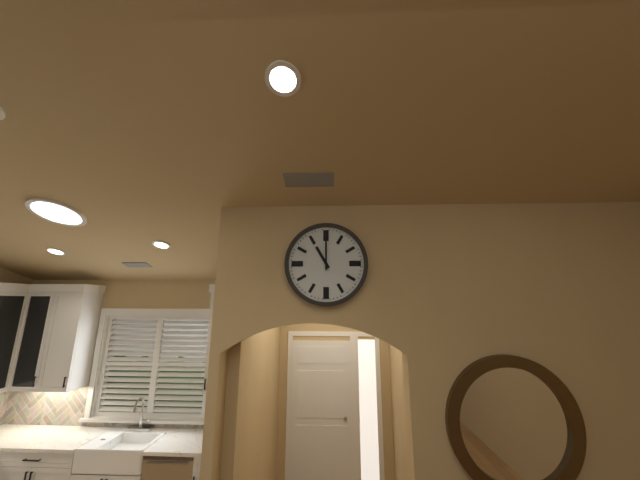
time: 11:00
